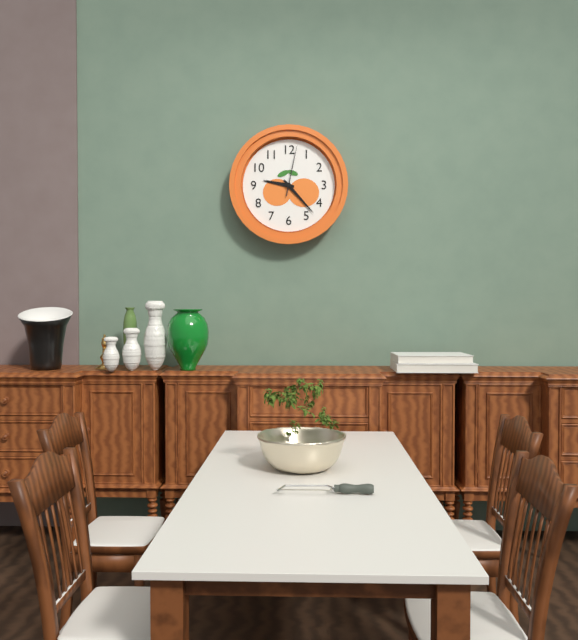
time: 9:23:02
